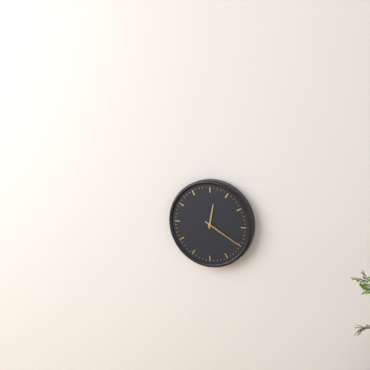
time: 12:20
